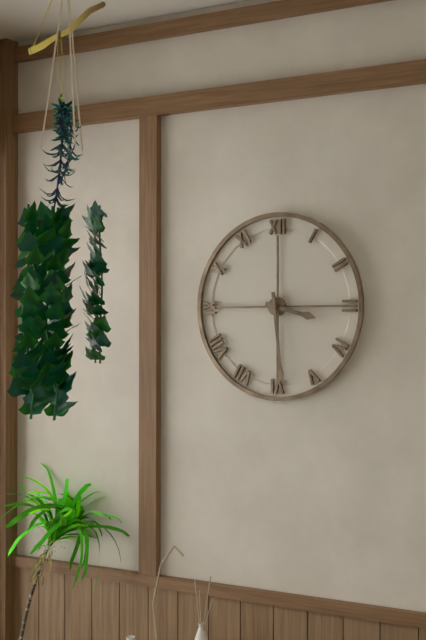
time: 3:29
